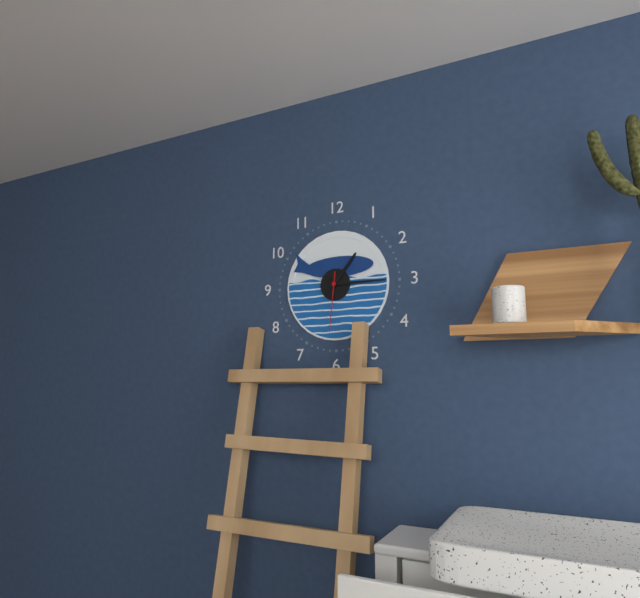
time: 1:15:31
